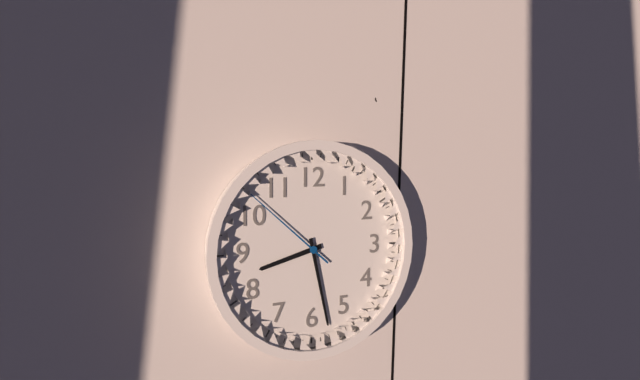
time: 8:28:52
